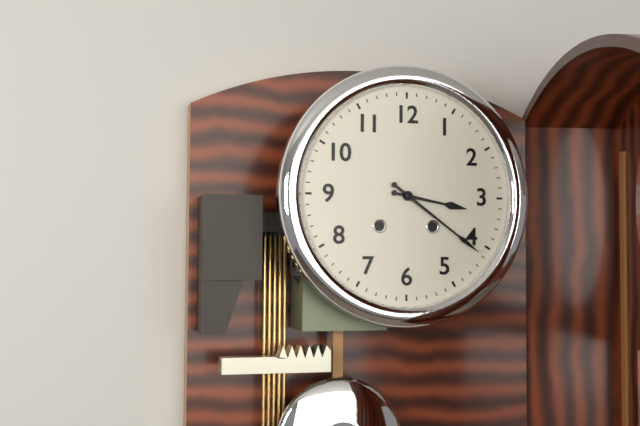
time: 3:21
